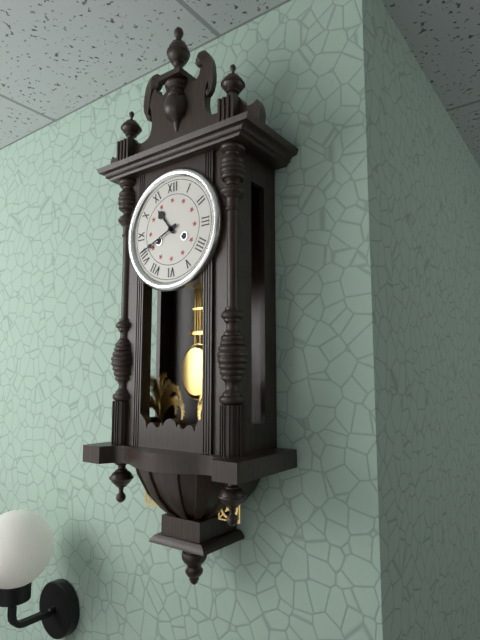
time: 10:41
